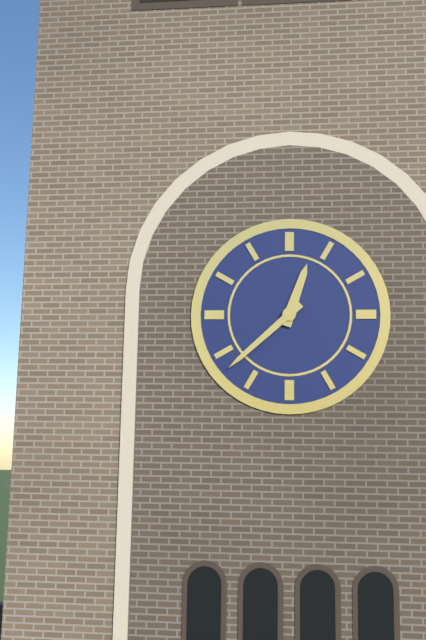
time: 12:38
